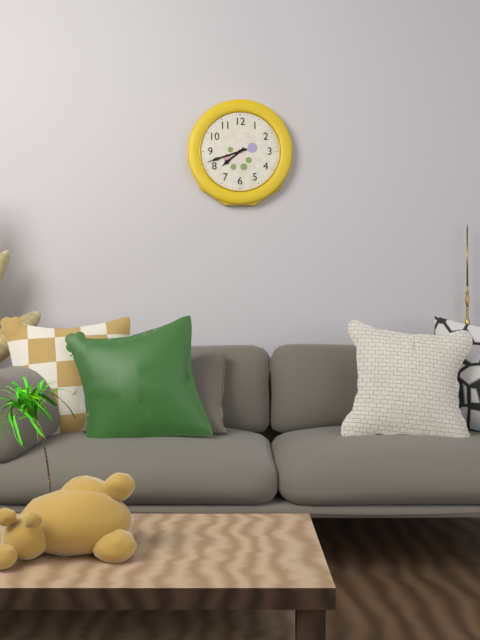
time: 7:42
